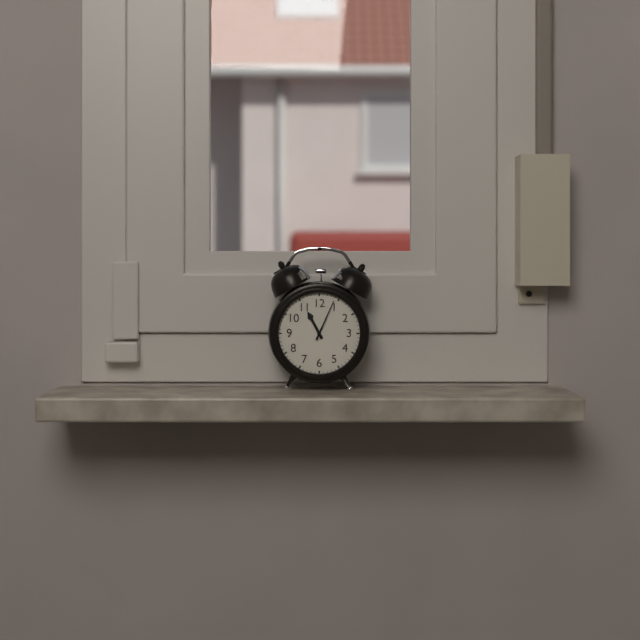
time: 11:04
